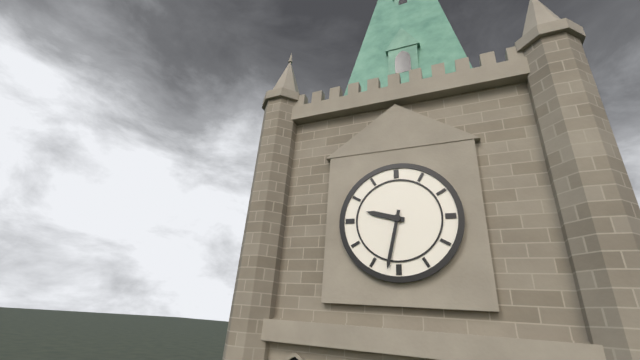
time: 9:32
